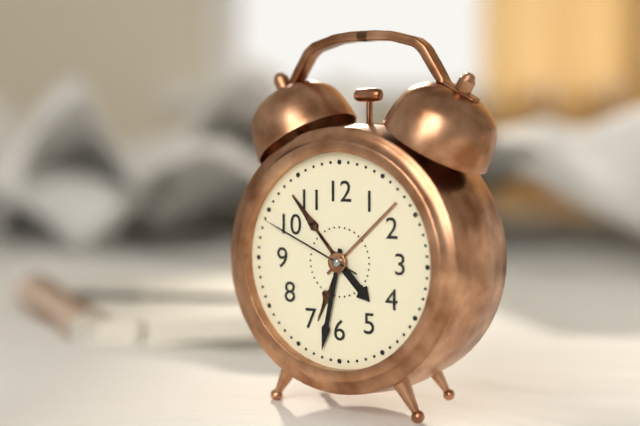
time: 4:32:49
